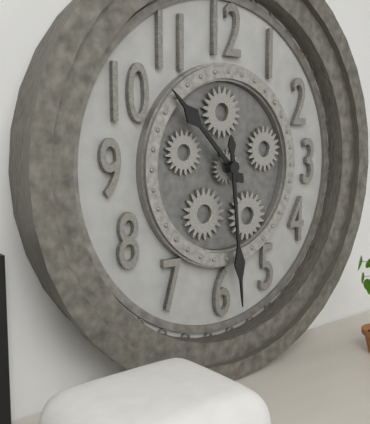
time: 10:29
